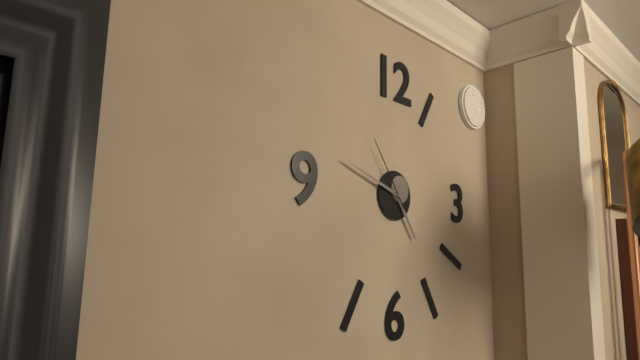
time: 4:48:54
